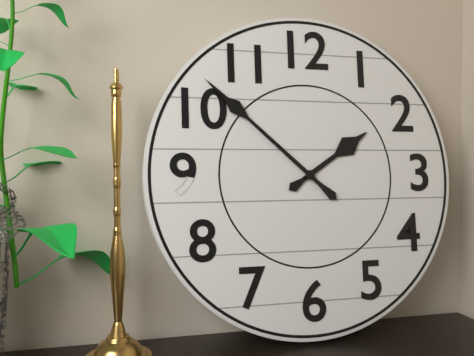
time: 1:52
